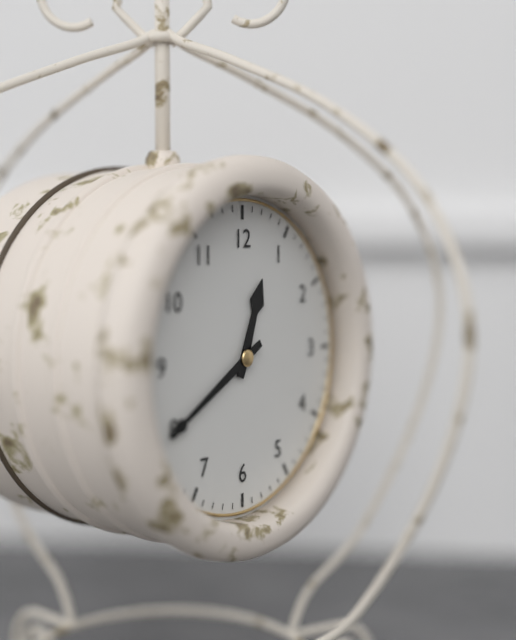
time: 12:40
